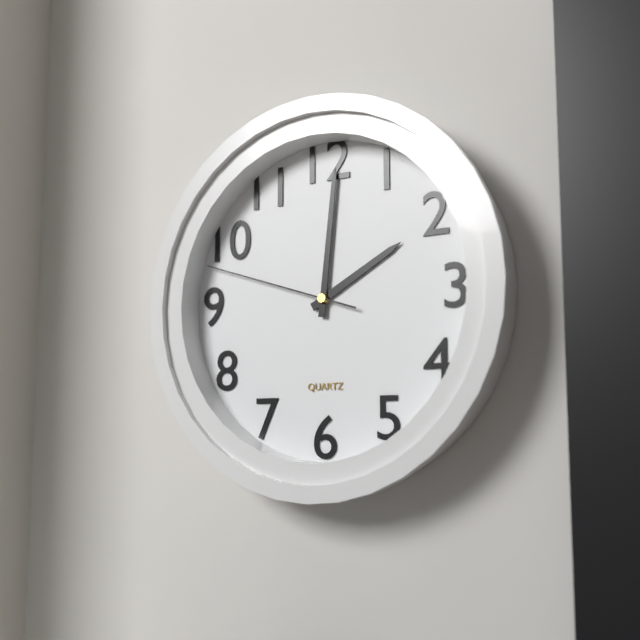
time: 2:01:48
